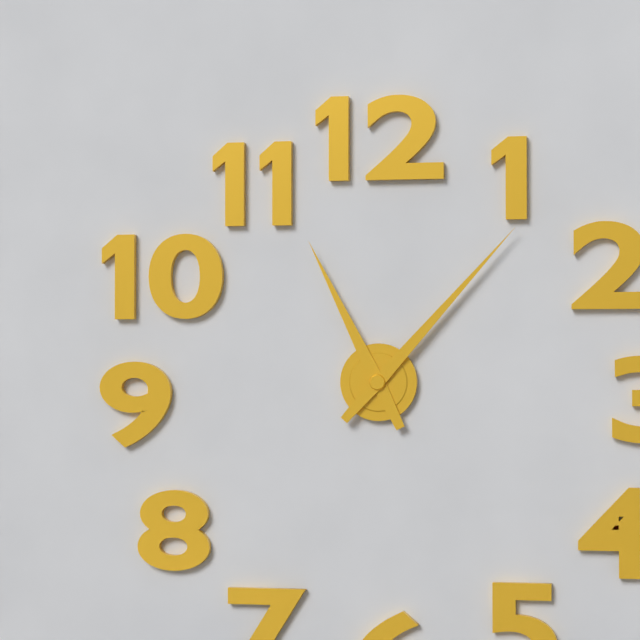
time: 11:07
